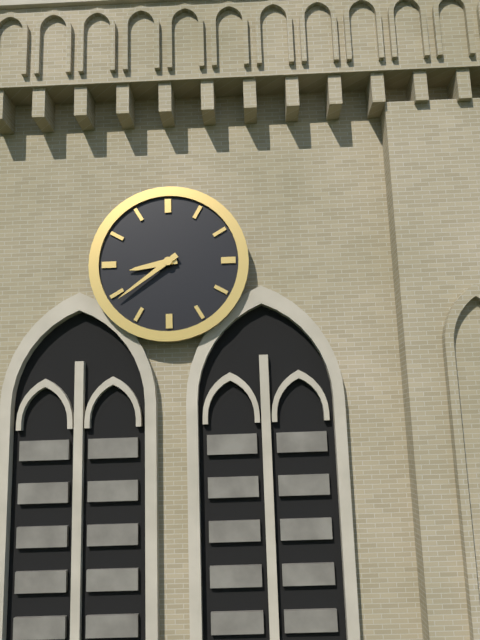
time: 8:39
